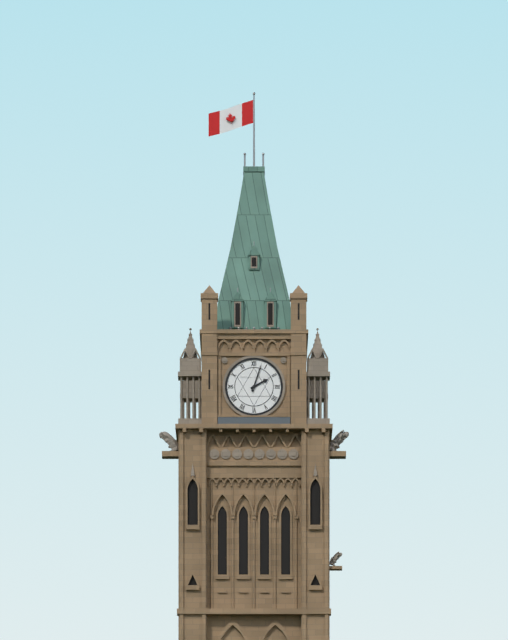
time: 2:03
